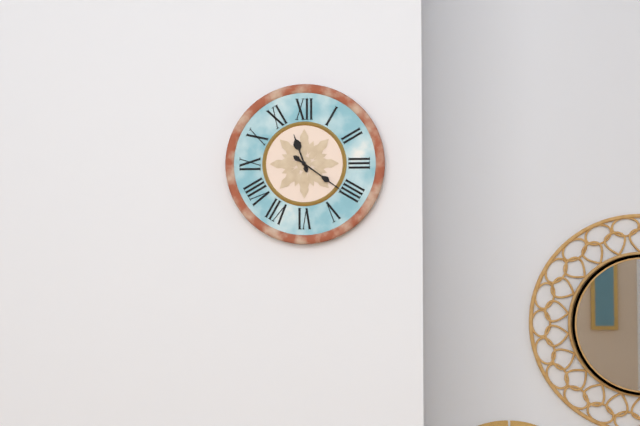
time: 11:21
